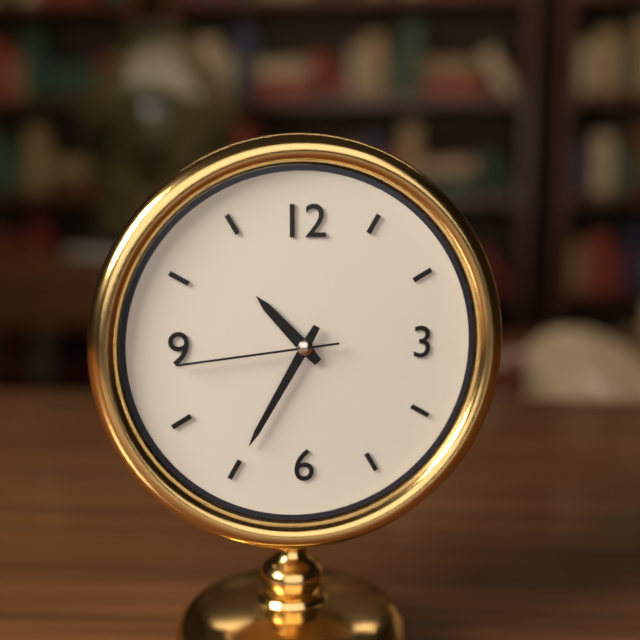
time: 10:35:44
